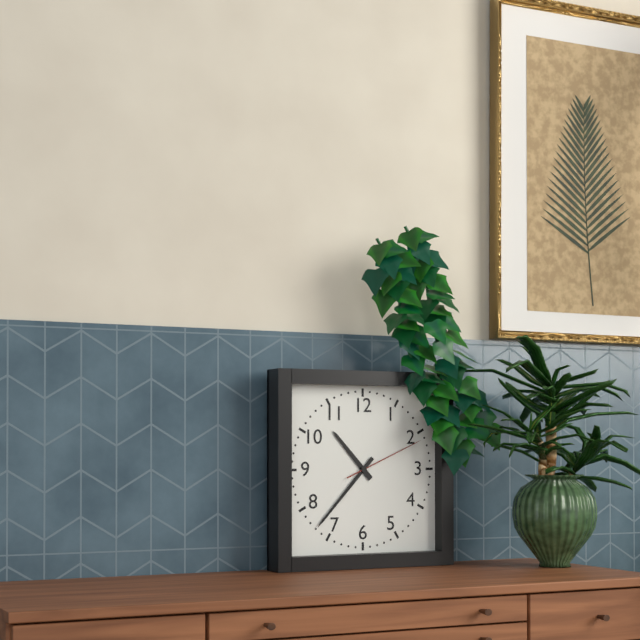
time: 10:37:11
